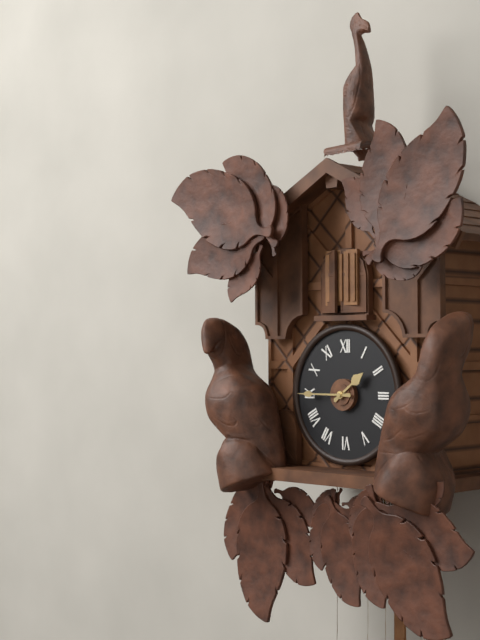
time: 1:45
